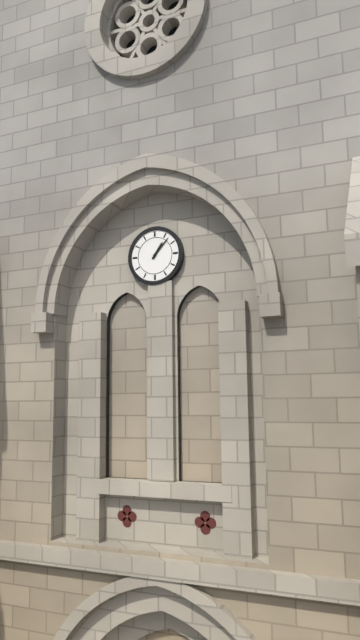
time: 1:07
